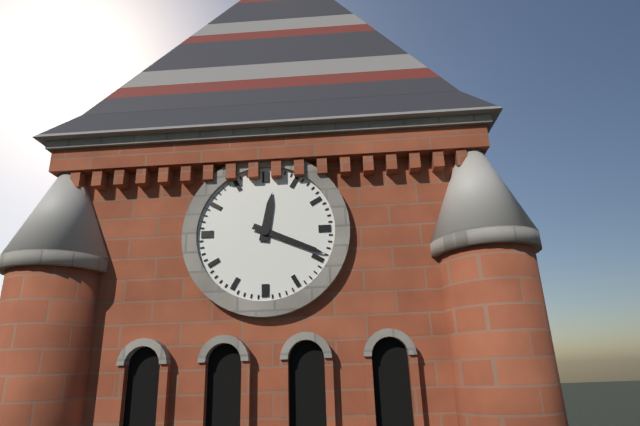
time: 12:19
